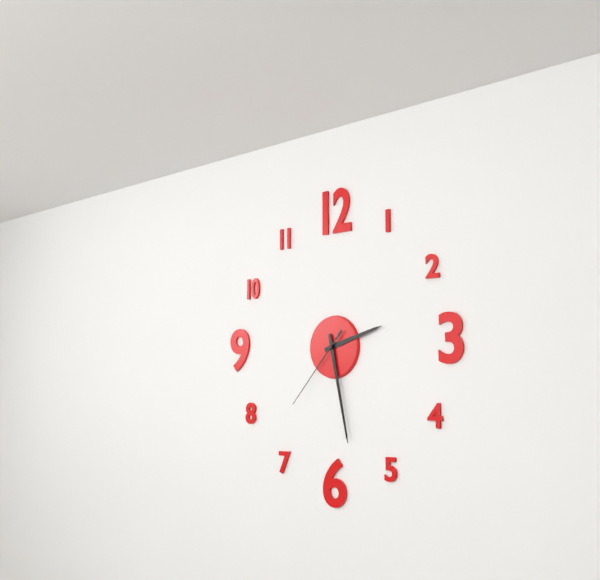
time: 2:28:37
